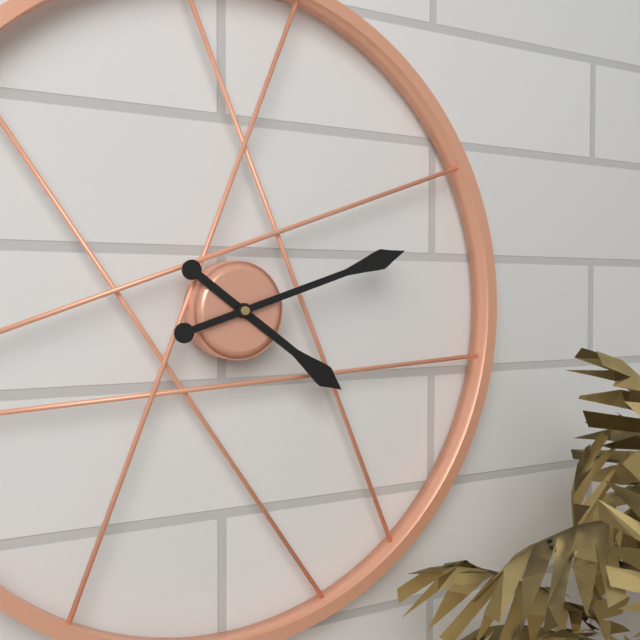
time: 4:12
